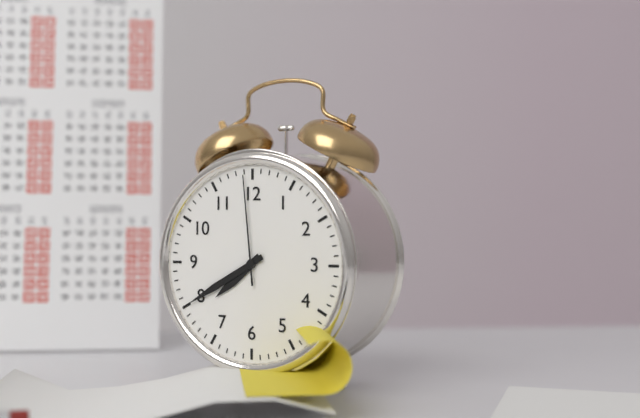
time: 7:40:59
